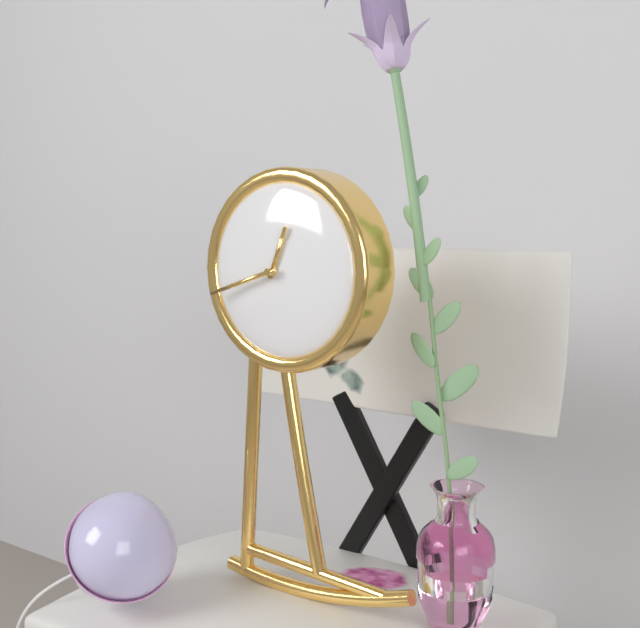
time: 12:42
